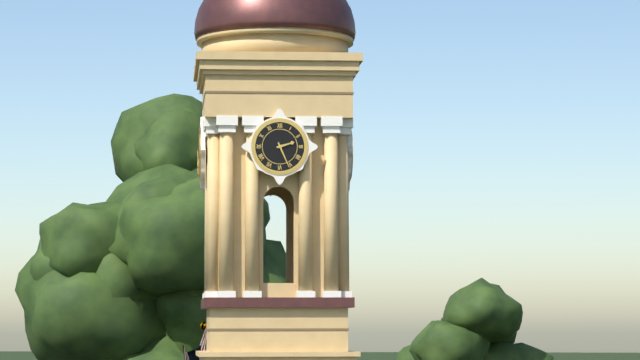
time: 2:26
